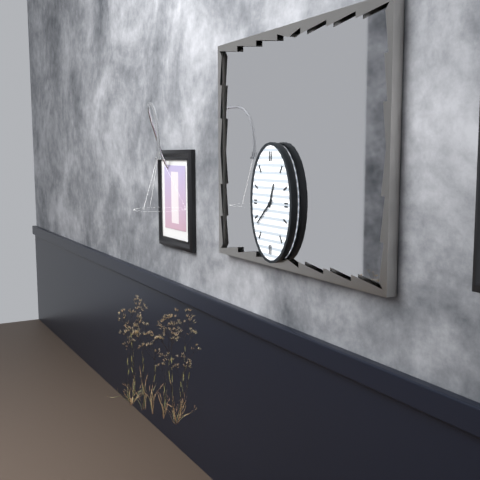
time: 12:38
